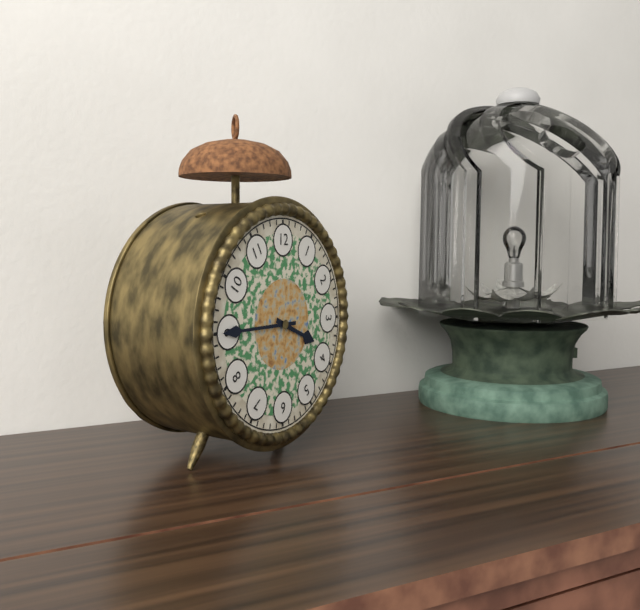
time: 3:45
